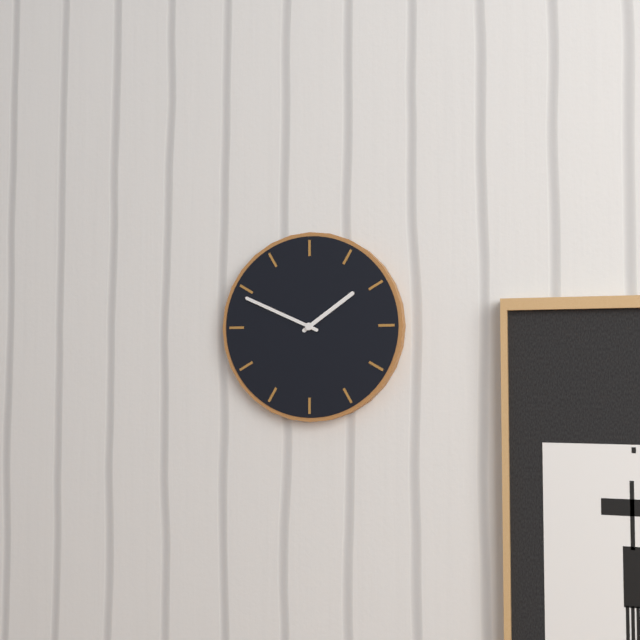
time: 1:49
